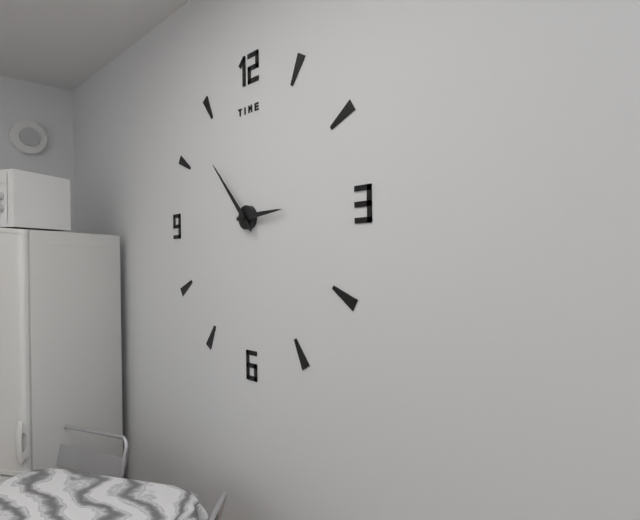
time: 2:53
